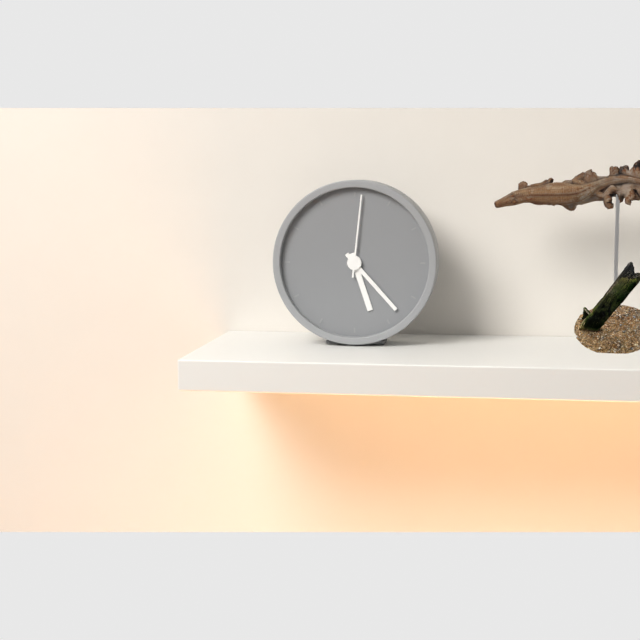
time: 5:23:01
